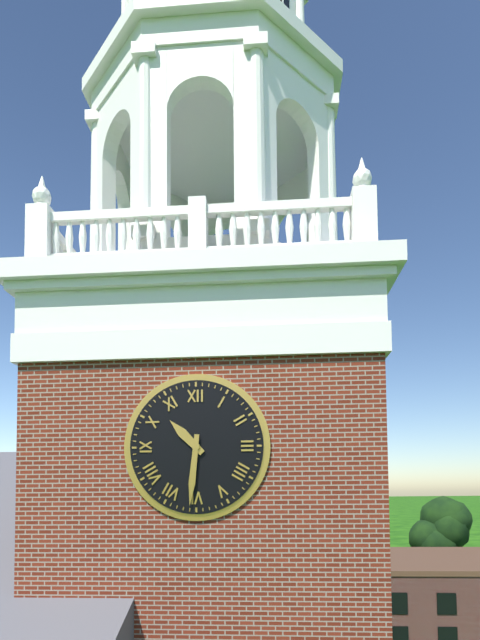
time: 10:31
